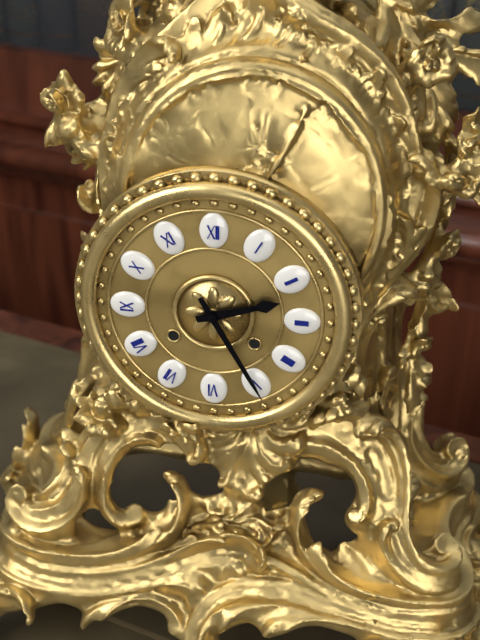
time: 2:25
